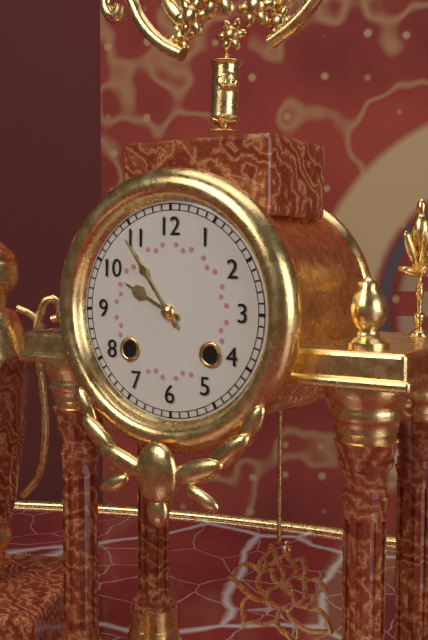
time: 9:54
